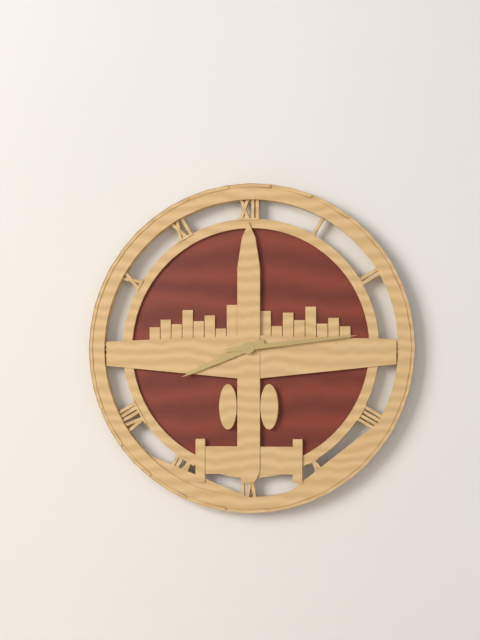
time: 8:14
